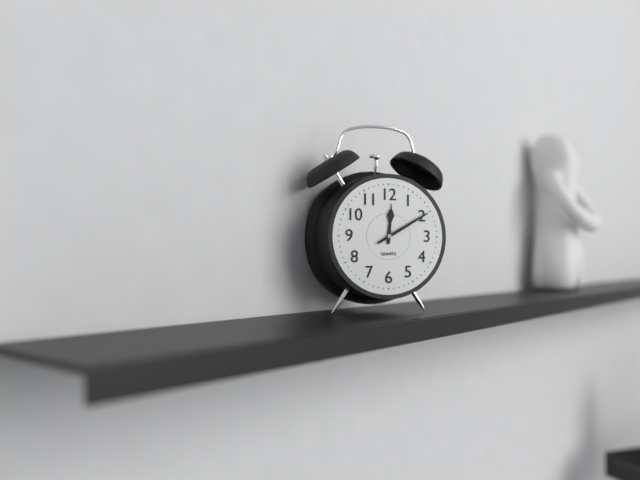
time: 12:10
